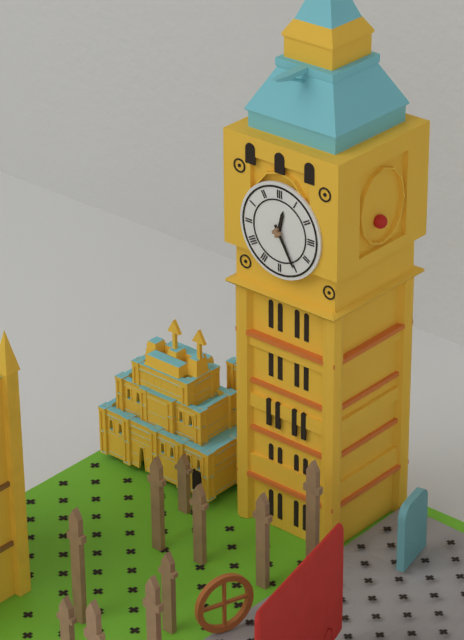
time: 12:25
